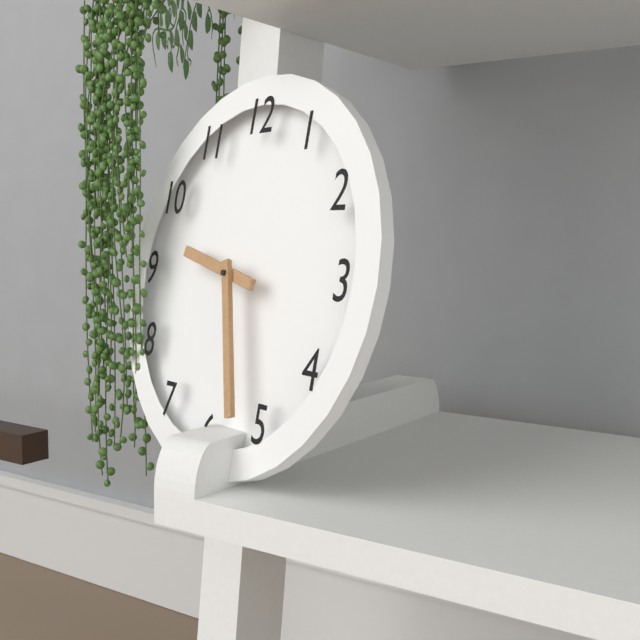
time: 9:27
